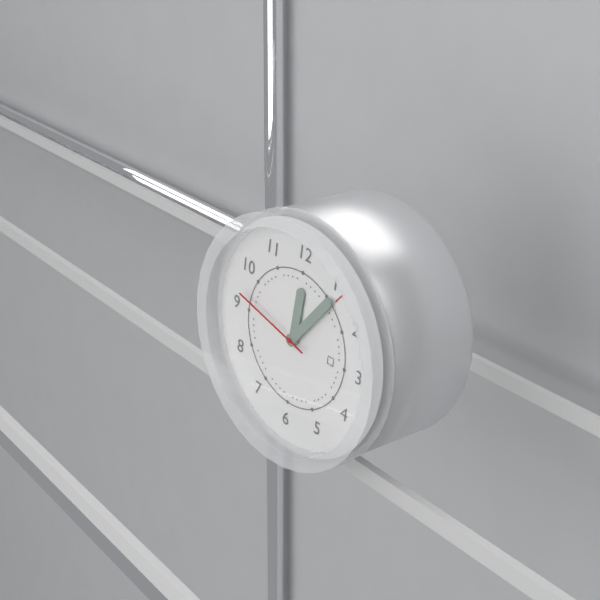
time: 12:06:47
